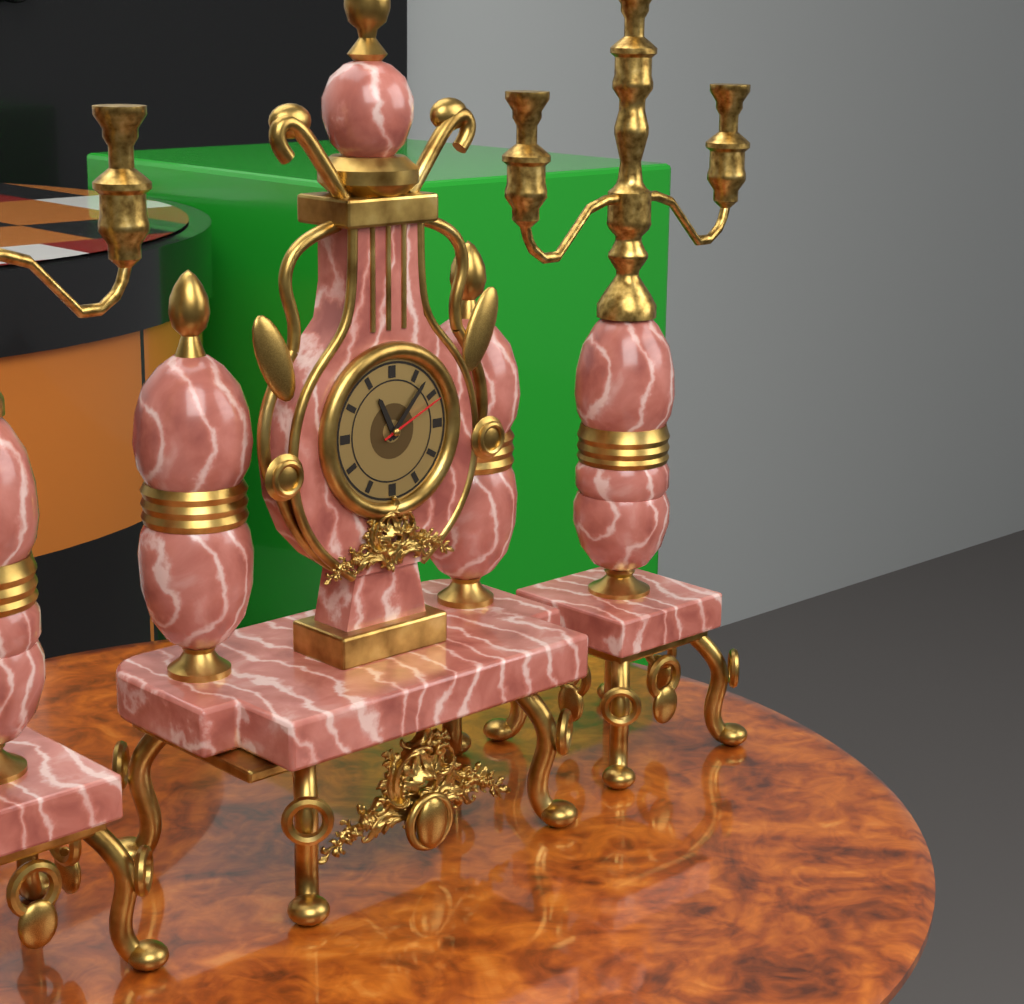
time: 11:07:11
